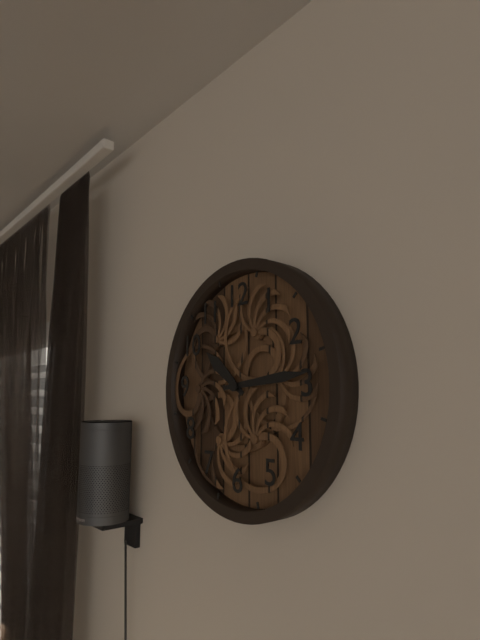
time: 10:14
